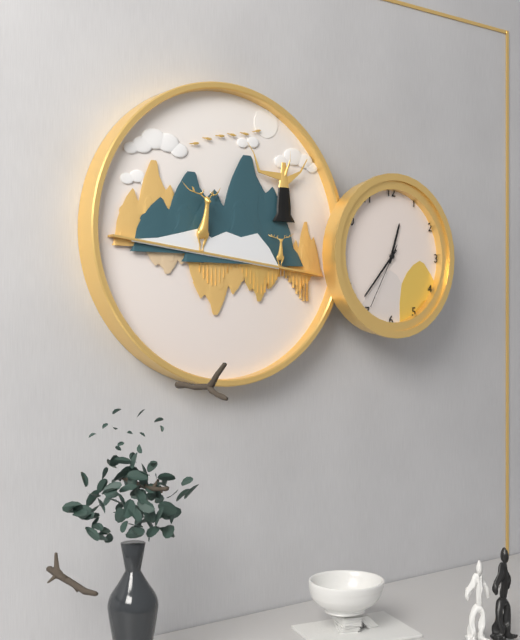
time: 12:37:35
